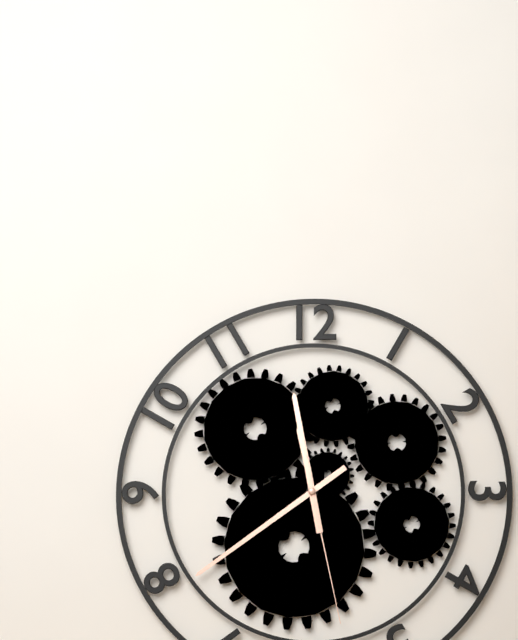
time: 11:39:28
